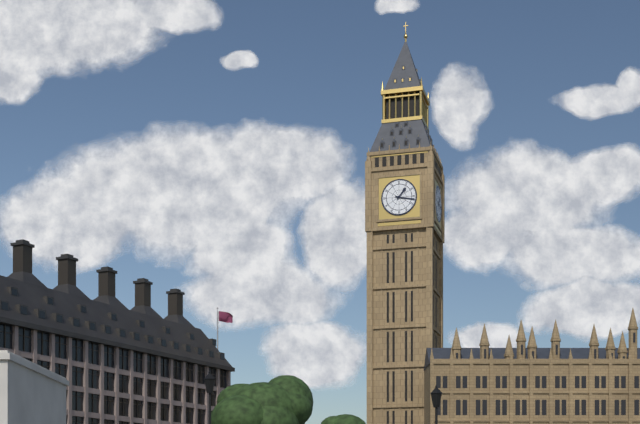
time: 1:17
